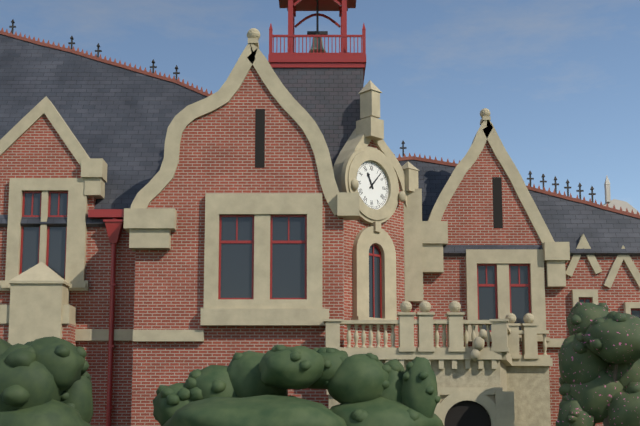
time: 11:07
